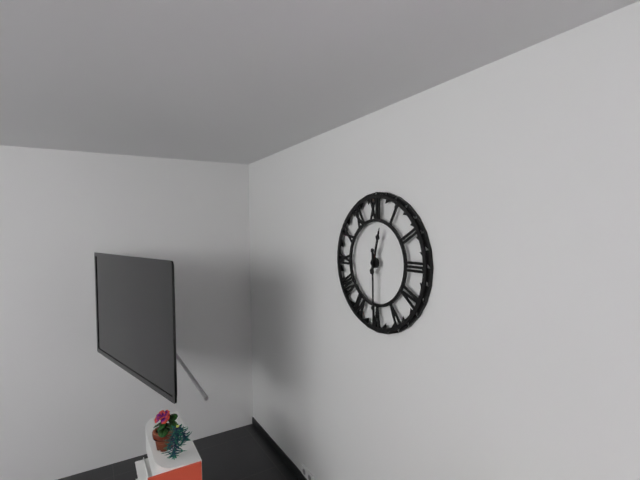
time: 12:30
